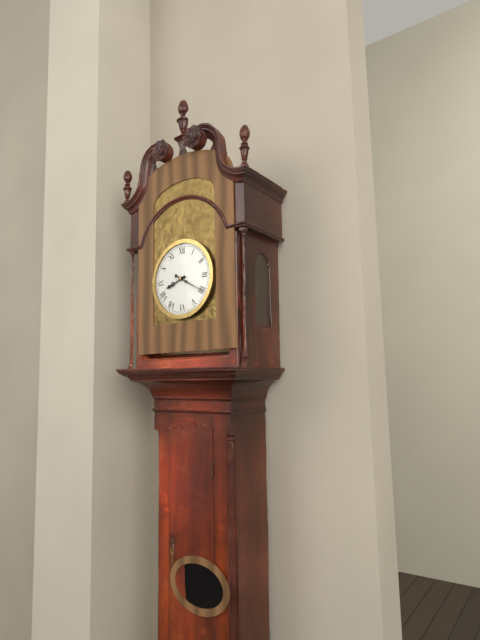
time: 8:20
